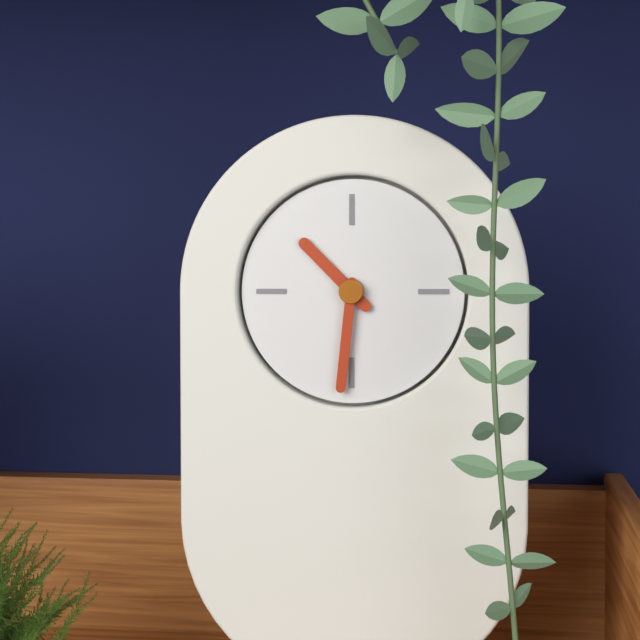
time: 10:31
